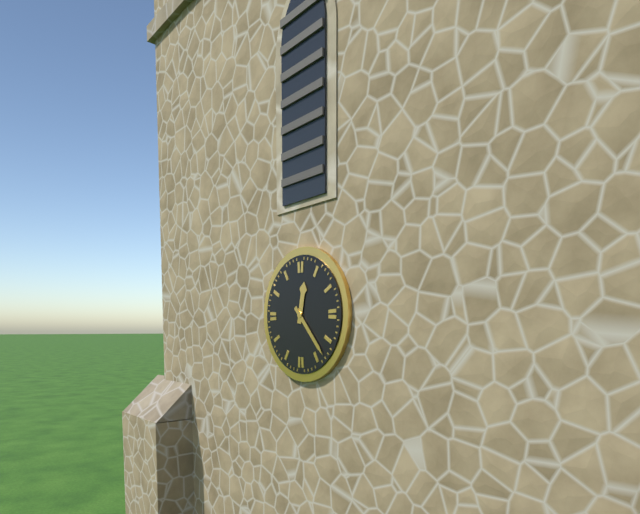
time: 12:23
